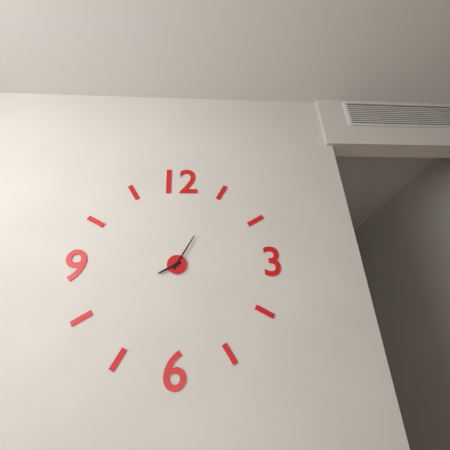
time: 8:05
